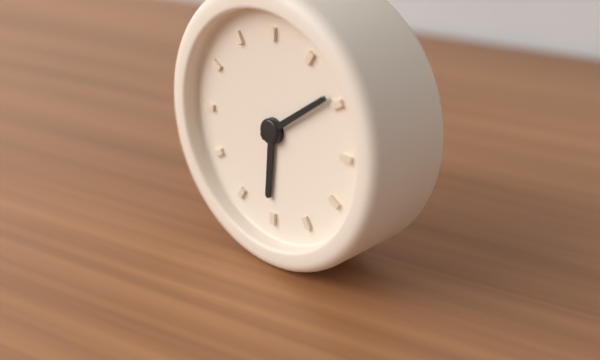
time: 6:09
